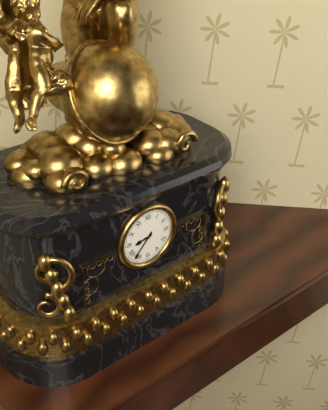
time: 8:37
